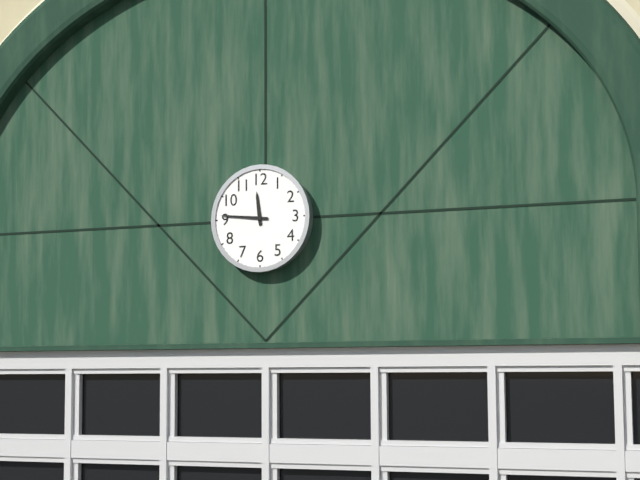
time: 11:46
